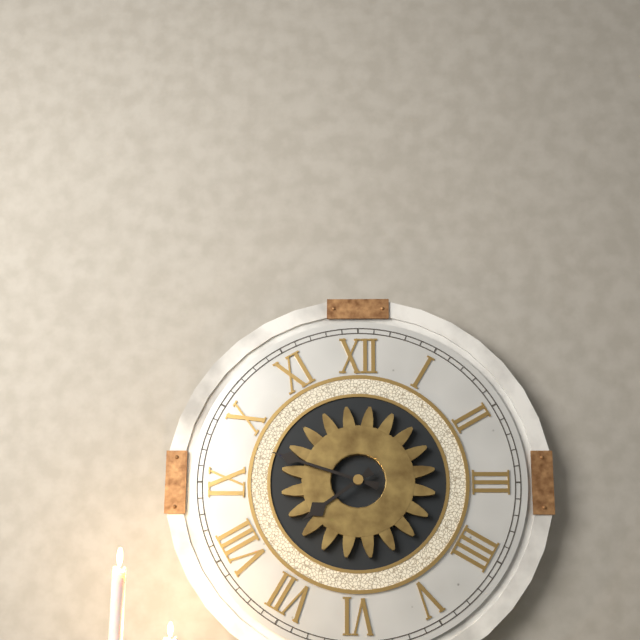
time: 7:48
